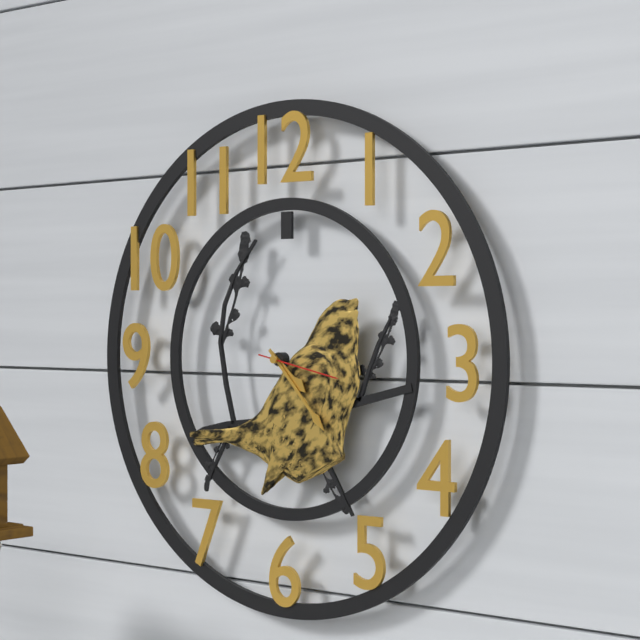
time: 4:23:17
